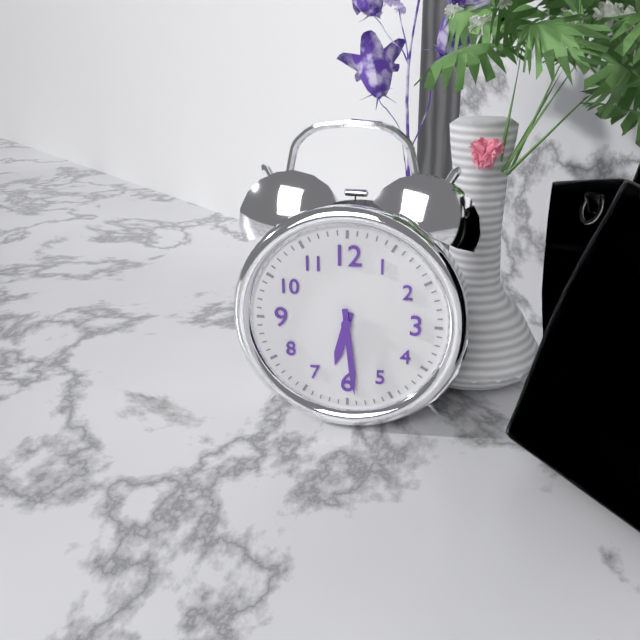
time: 6:29
